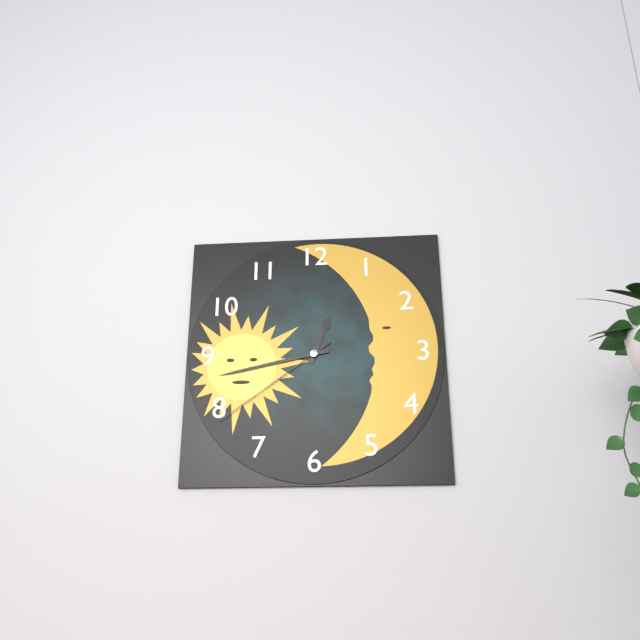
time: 12:43:39
